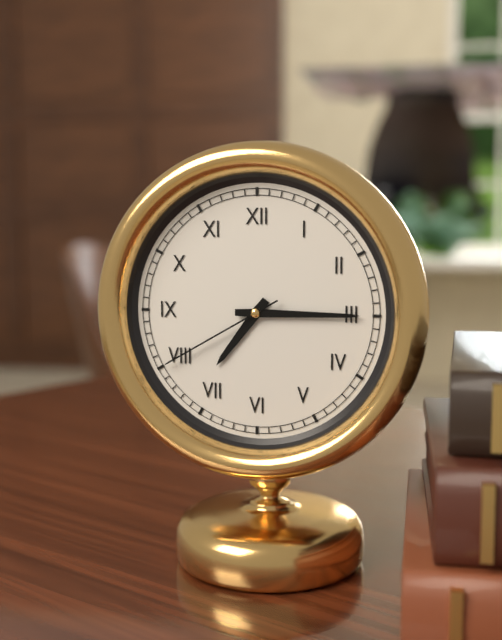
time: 7:15:40
